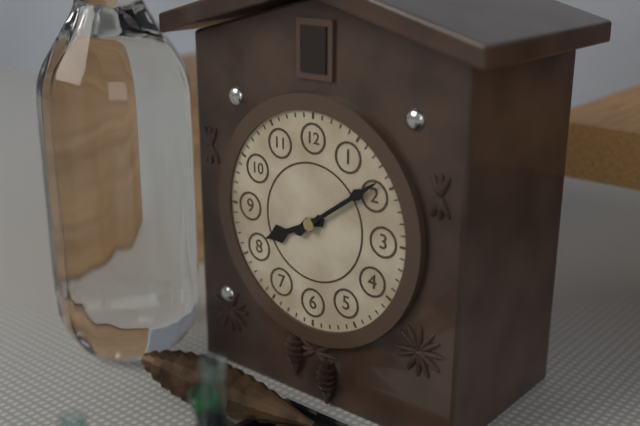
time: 8:09
